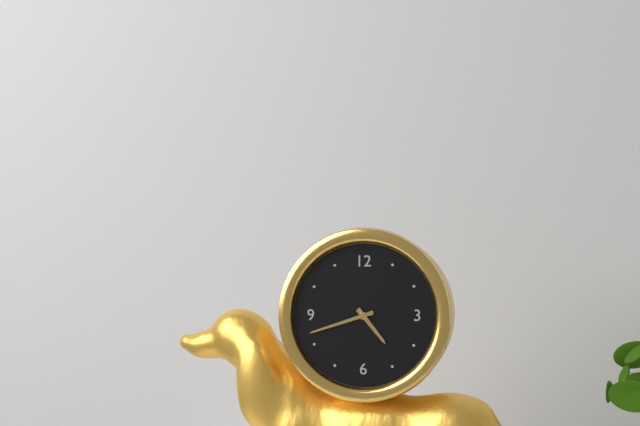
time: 4:42
